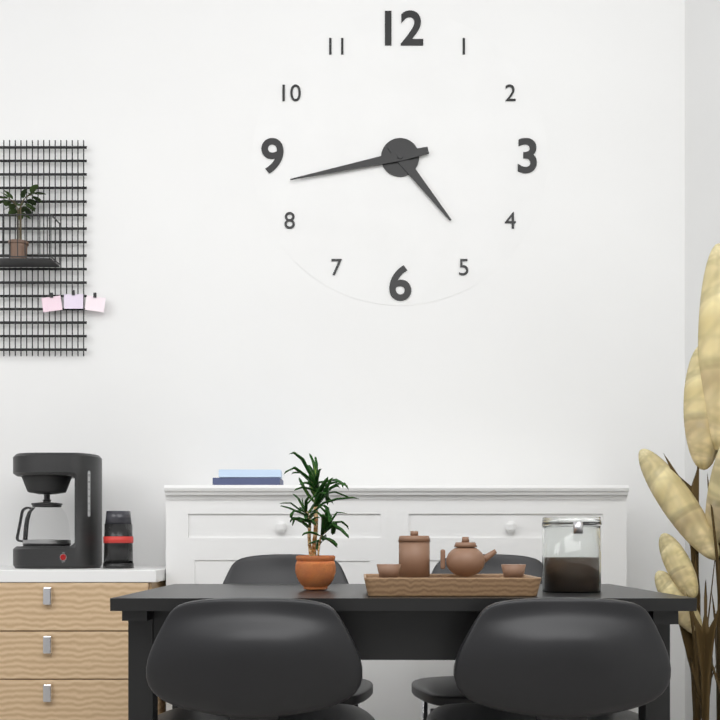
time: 4:43
